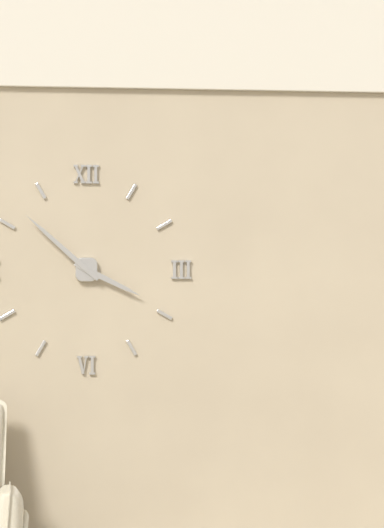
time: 3:52
